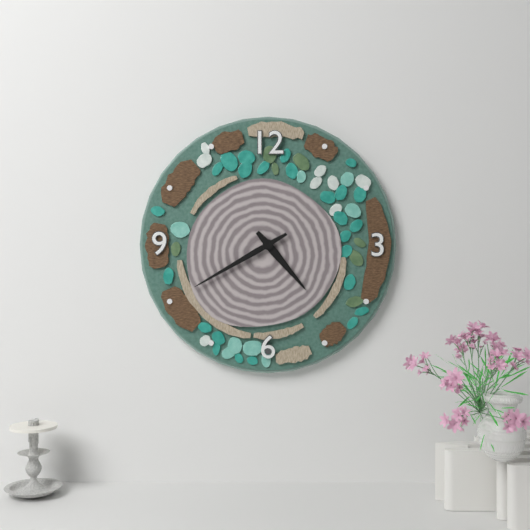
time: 4:40
